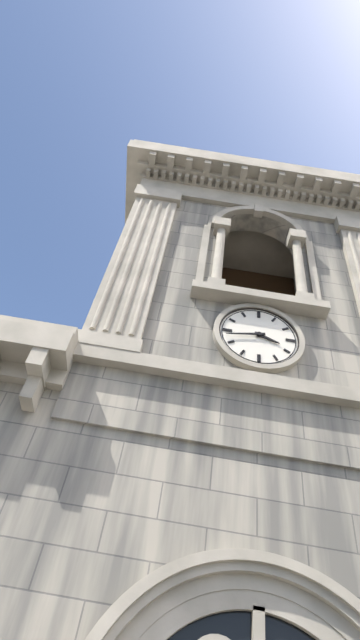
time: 3:43
